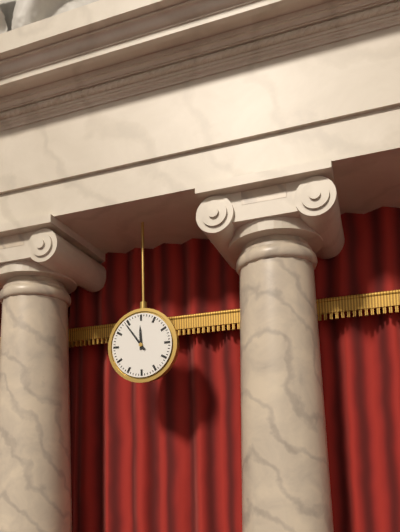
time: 11:54
